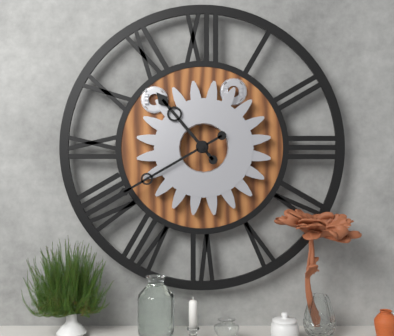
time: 10:40
